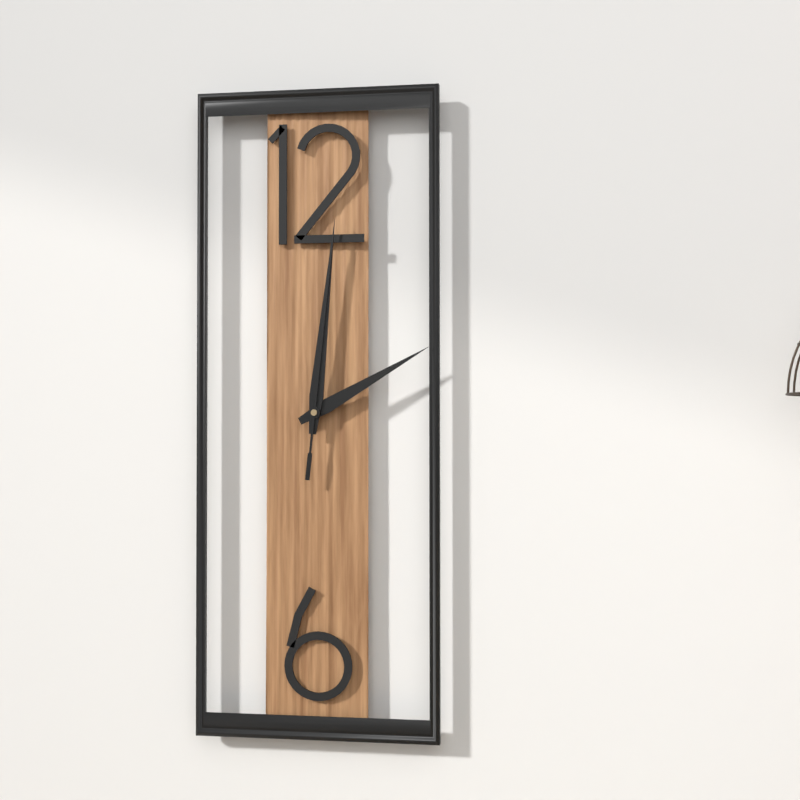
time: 2:01:01
